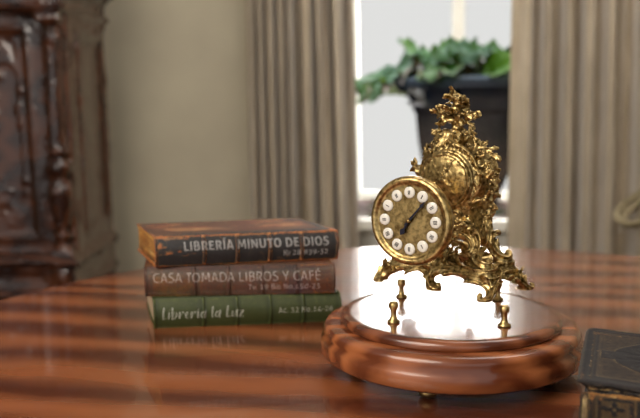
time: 7:07
